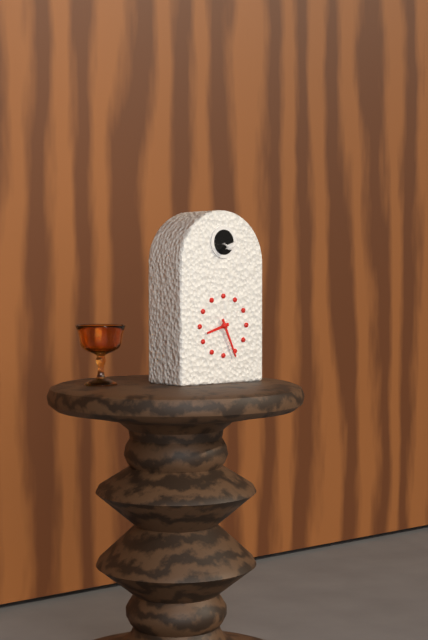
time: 8:26
